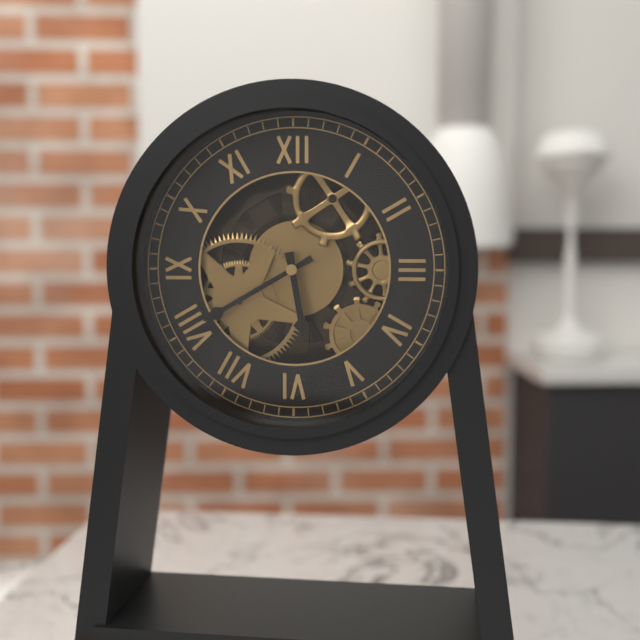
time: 5:40
